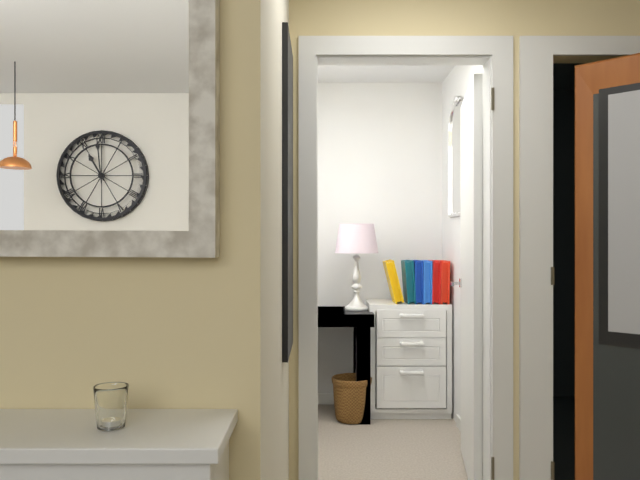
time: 10:59
